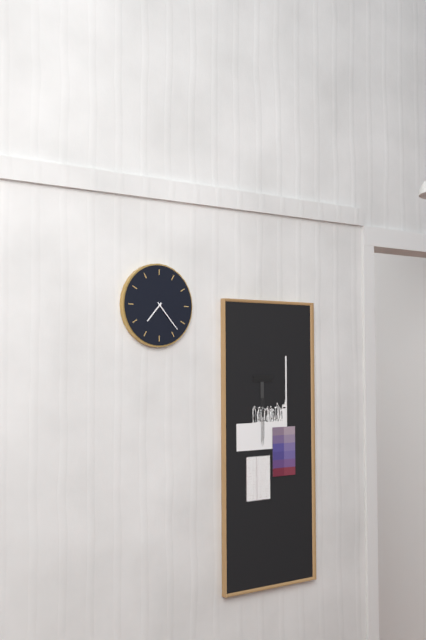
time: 7:23
